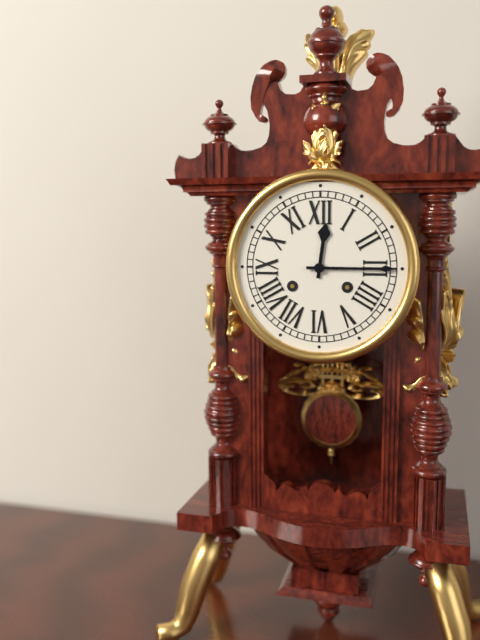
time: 12:15
